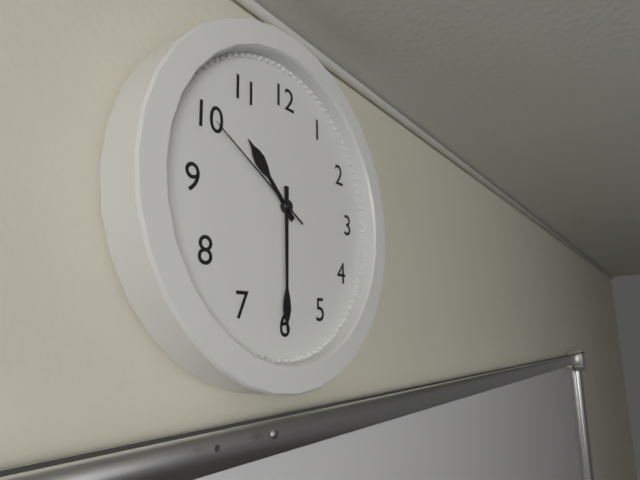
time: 10:30:50
